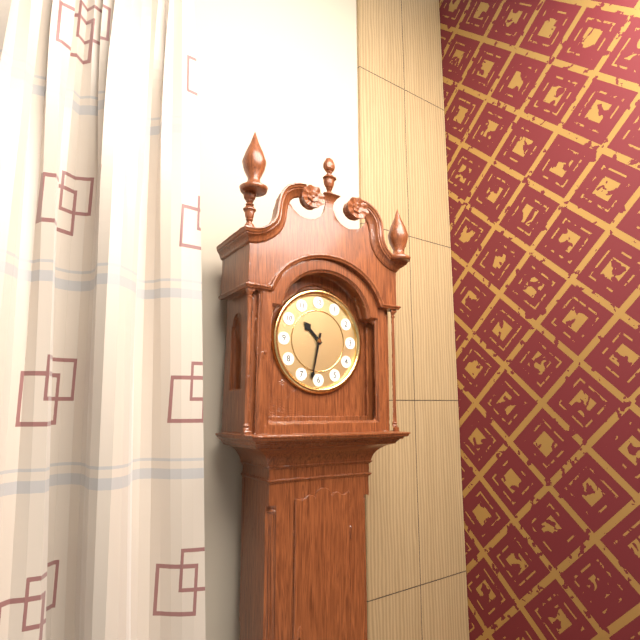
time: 10:32
